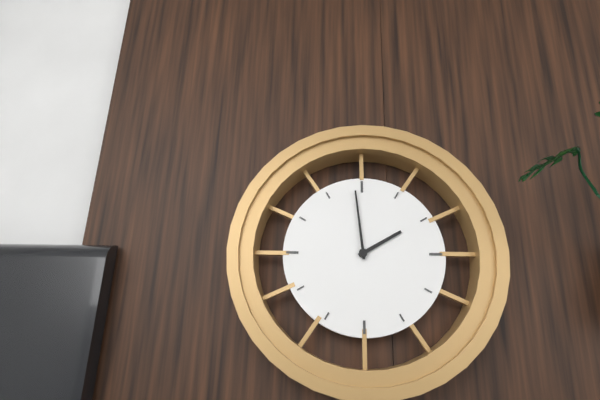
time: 1:59
